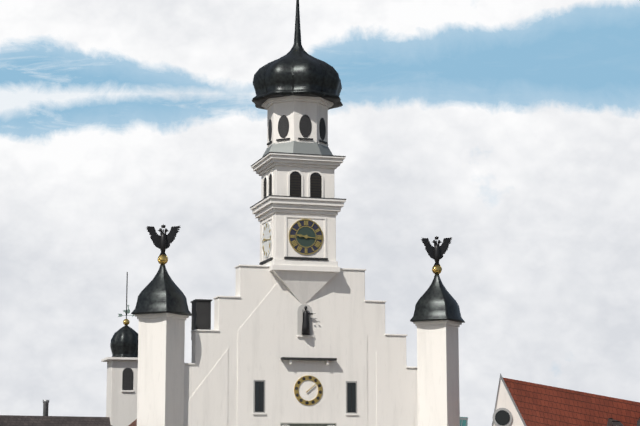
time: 9:16
